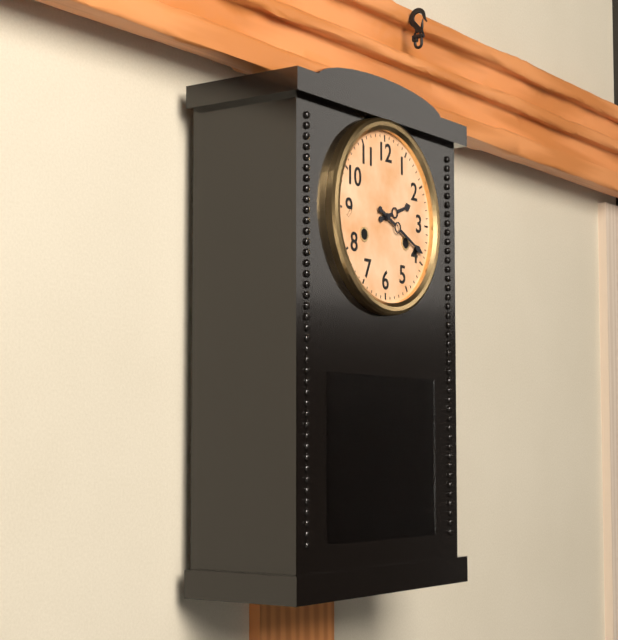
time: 2:19
